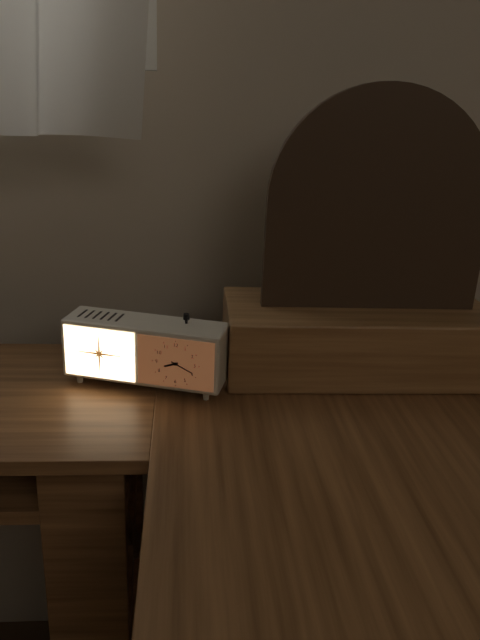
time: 8:19
